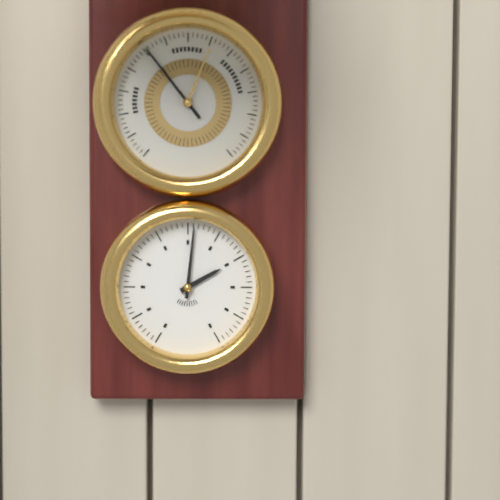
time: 2:01
